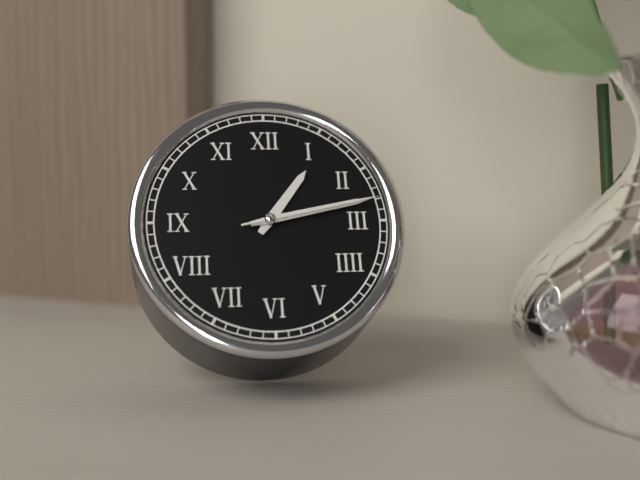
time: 1:13:13
